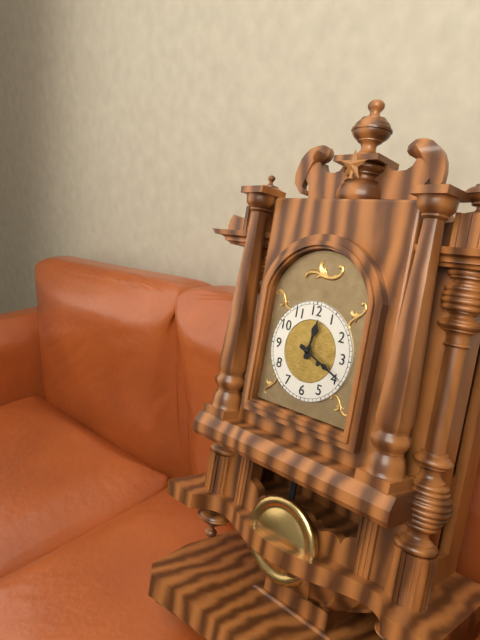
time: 12:19
